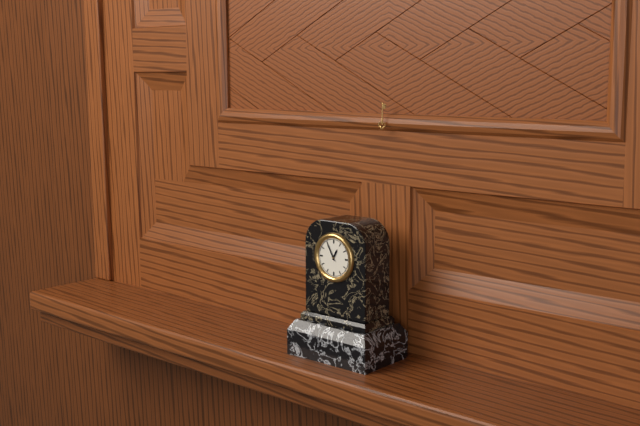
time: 12:55
